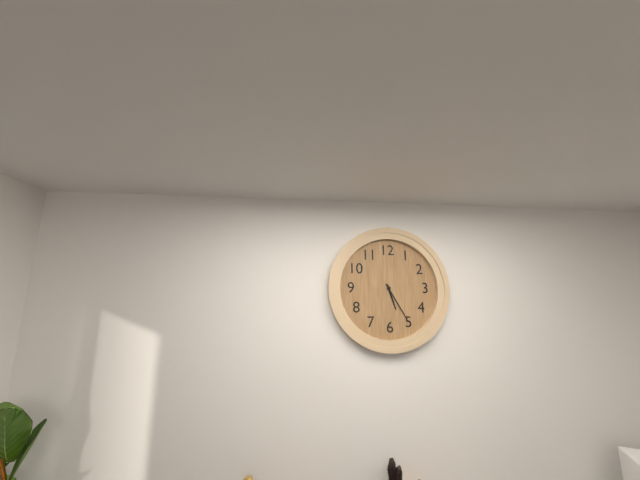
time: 5:25
